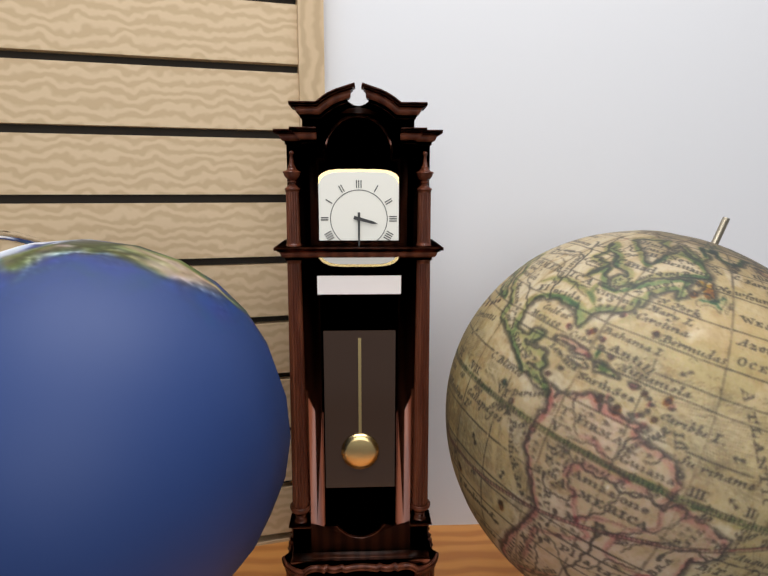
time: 3:30
